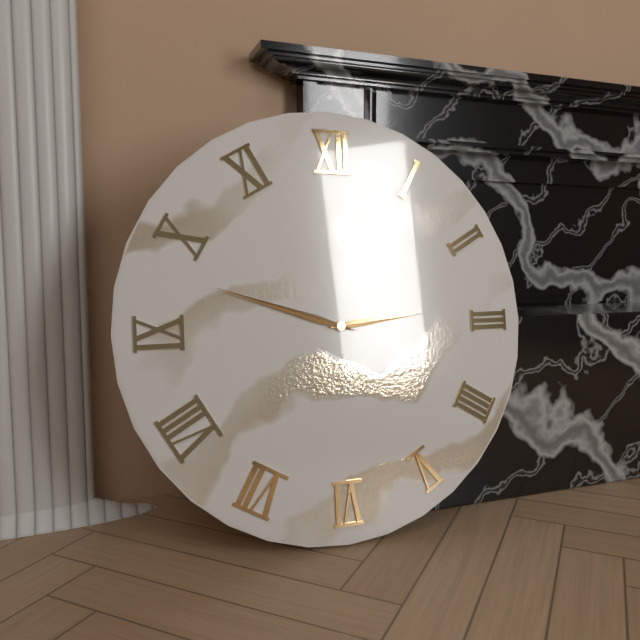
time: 2:48
